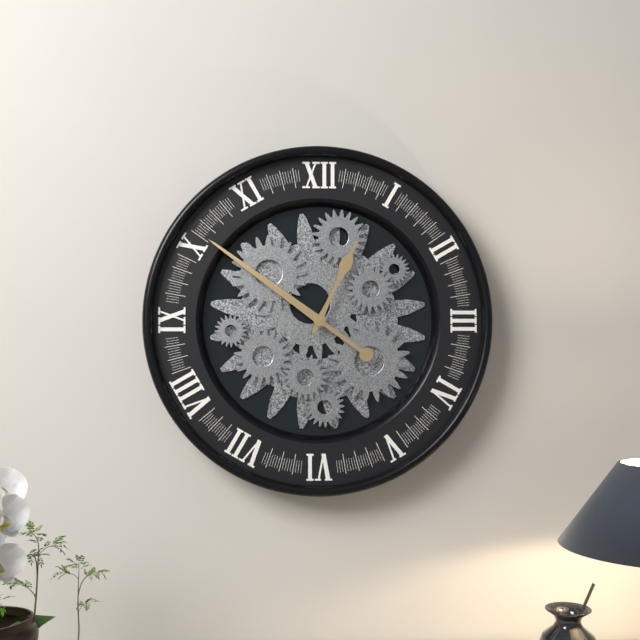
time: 12:51
